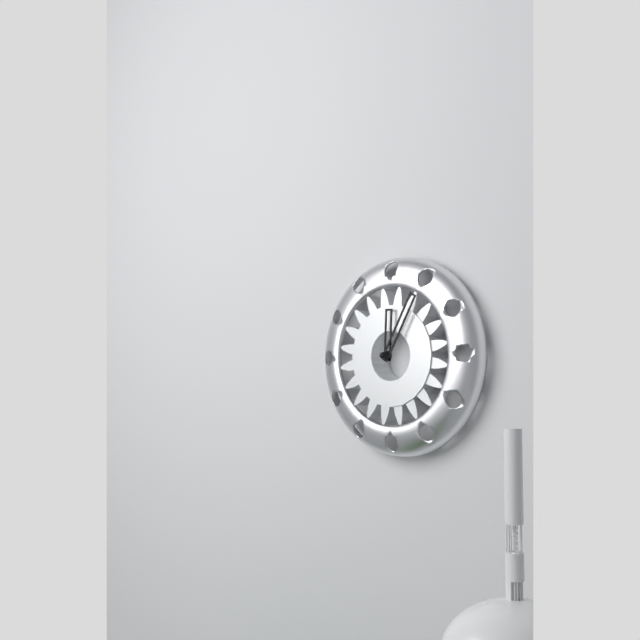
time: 12:05
